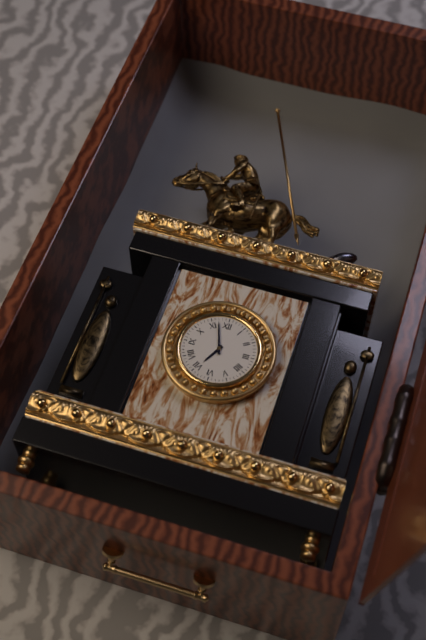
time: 6:57
